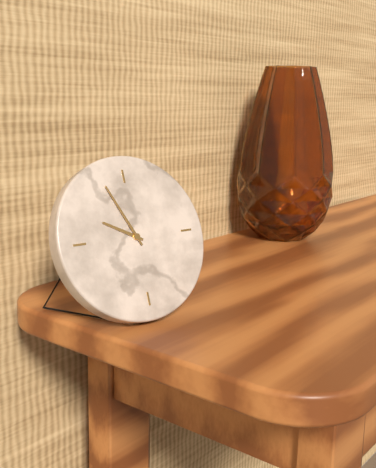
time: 9:56
